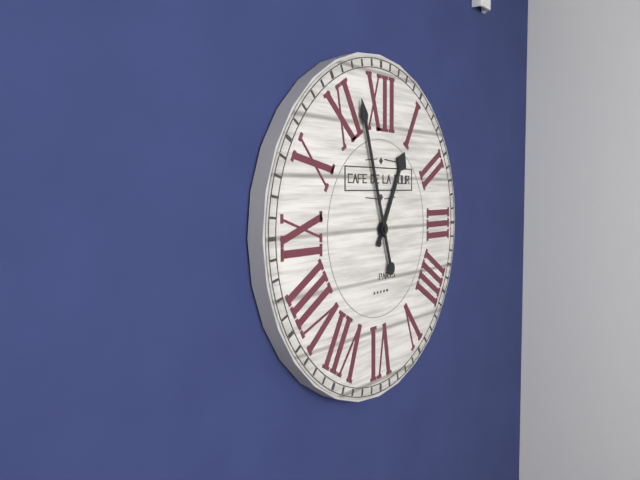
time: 12:57
